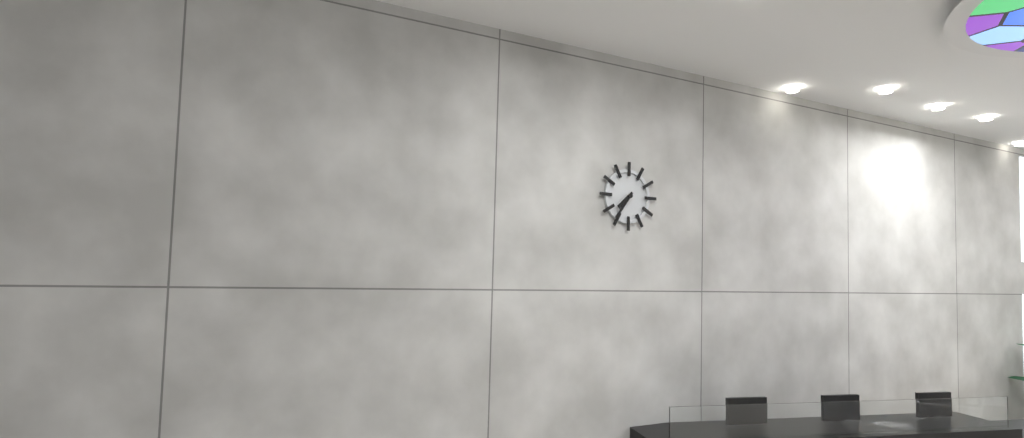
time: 7:36
